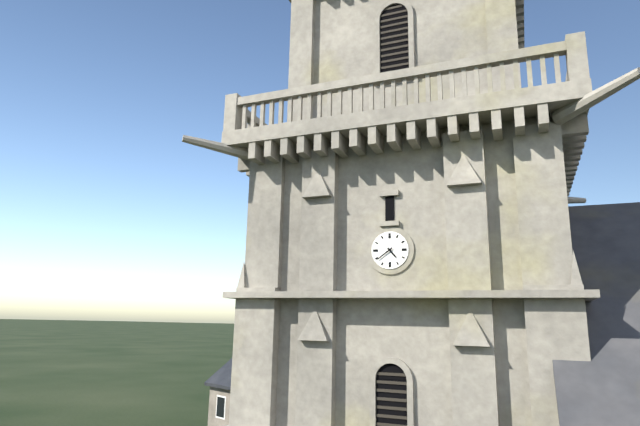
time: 4:39
